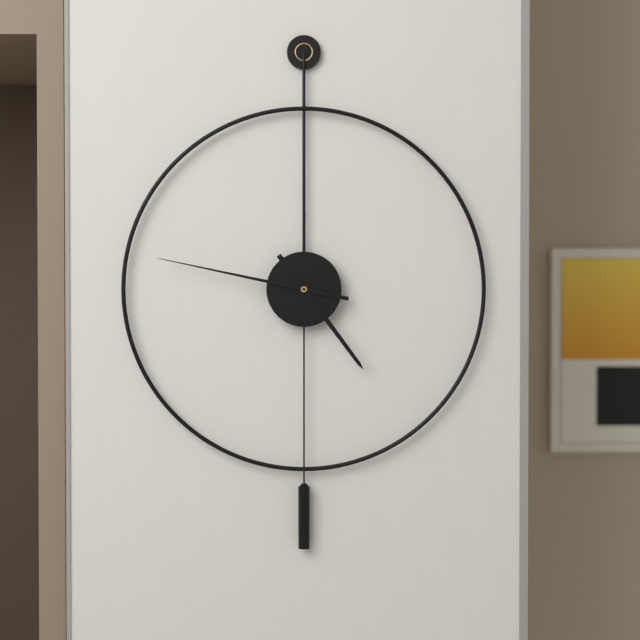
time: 4:47
